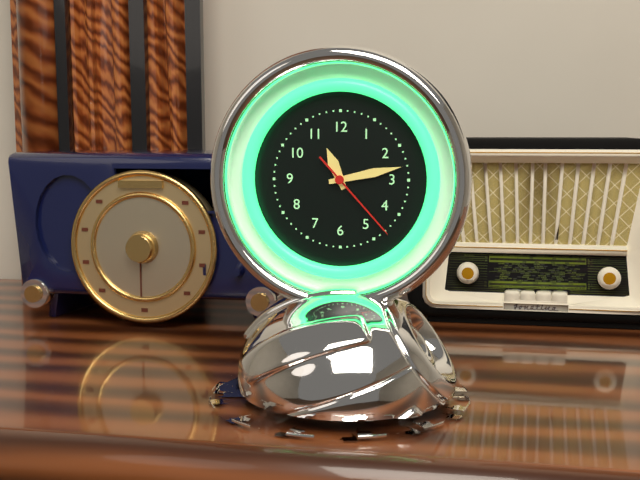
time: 11:13:23
